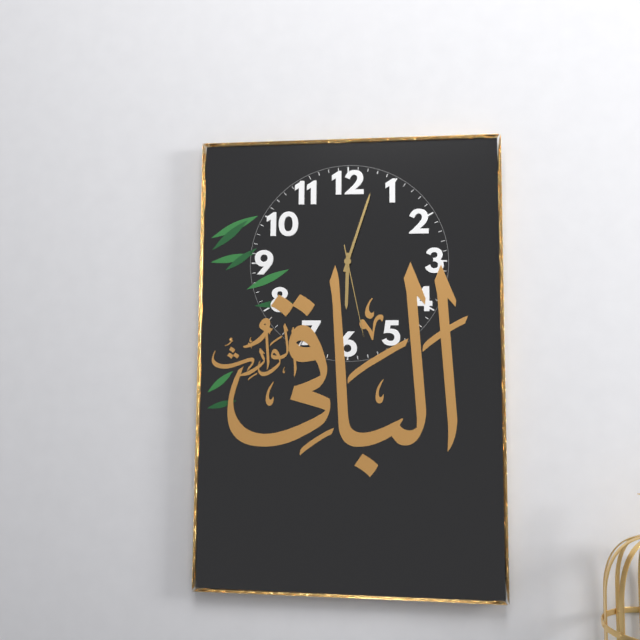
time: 6:03:28
